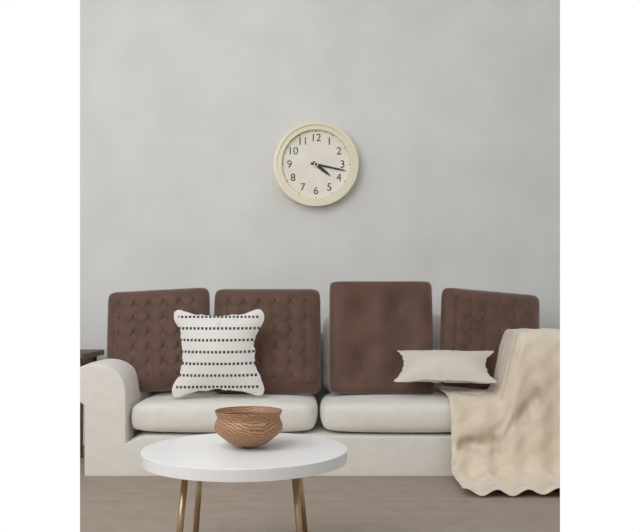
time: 4:17
